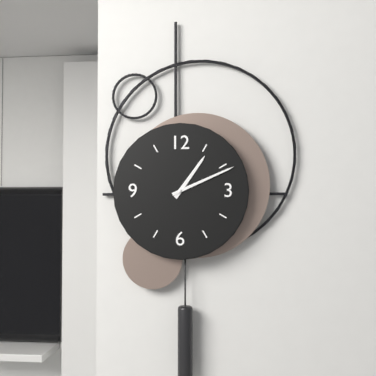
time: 1:11
